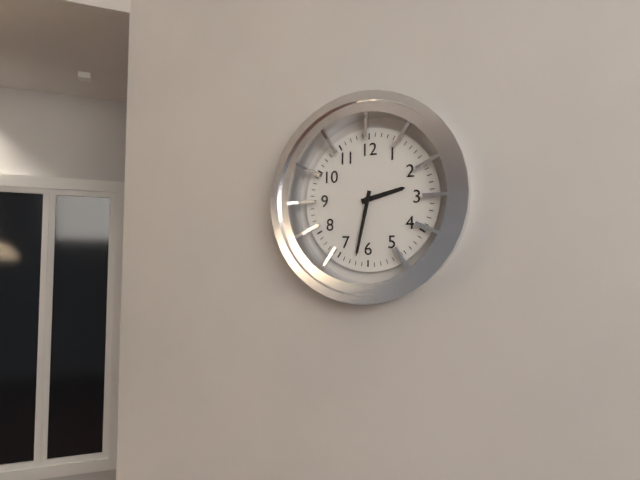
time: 2:32
